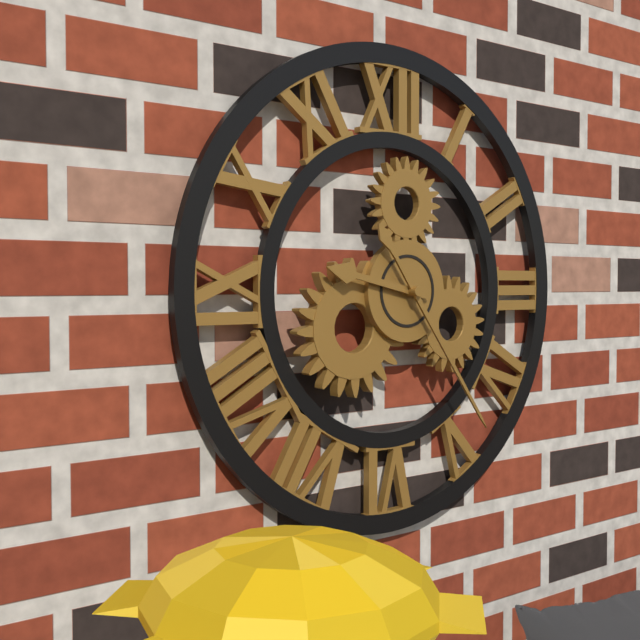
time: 9:24
